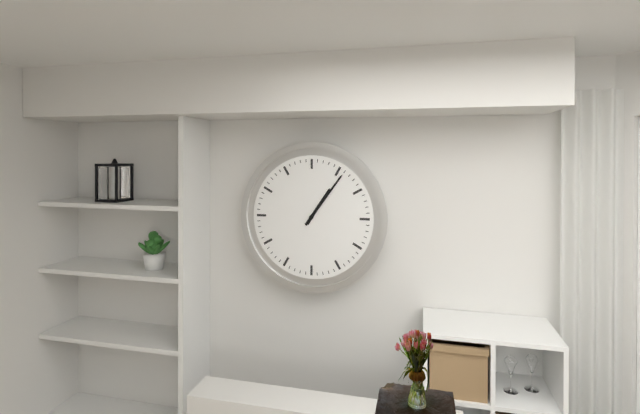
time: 1:06
